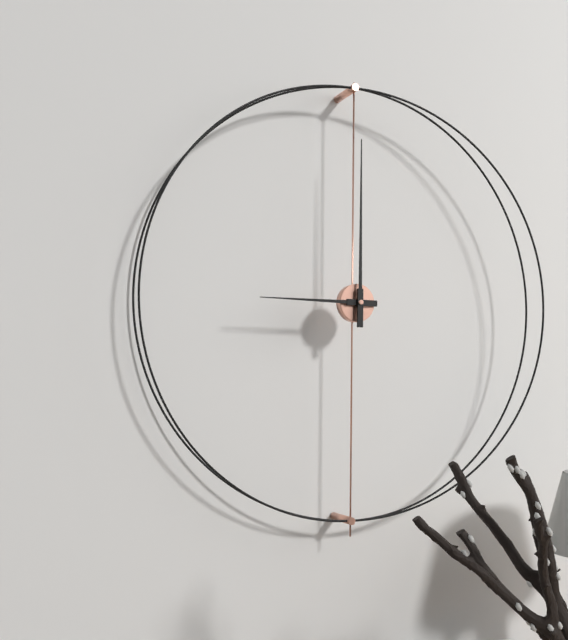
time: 9:00
